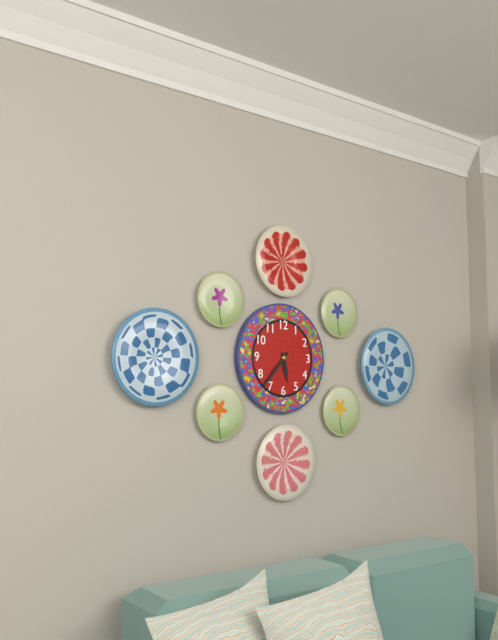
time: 5:37
